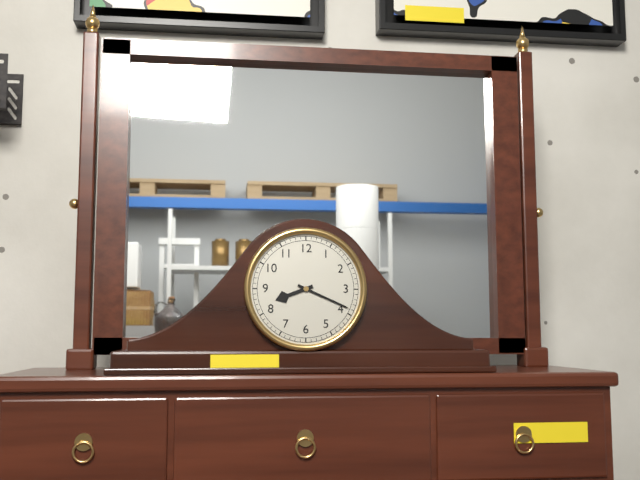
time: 8:19
